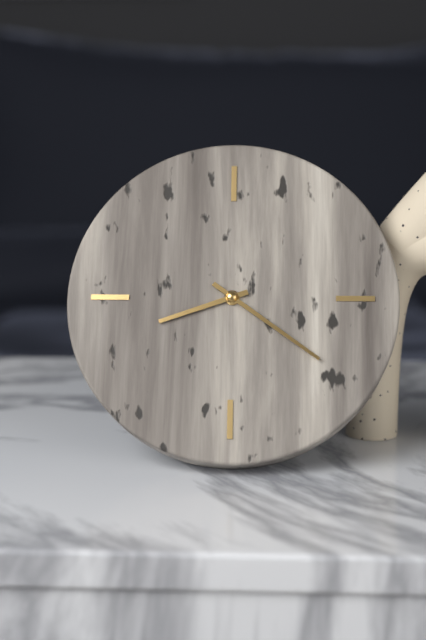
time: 8:21
